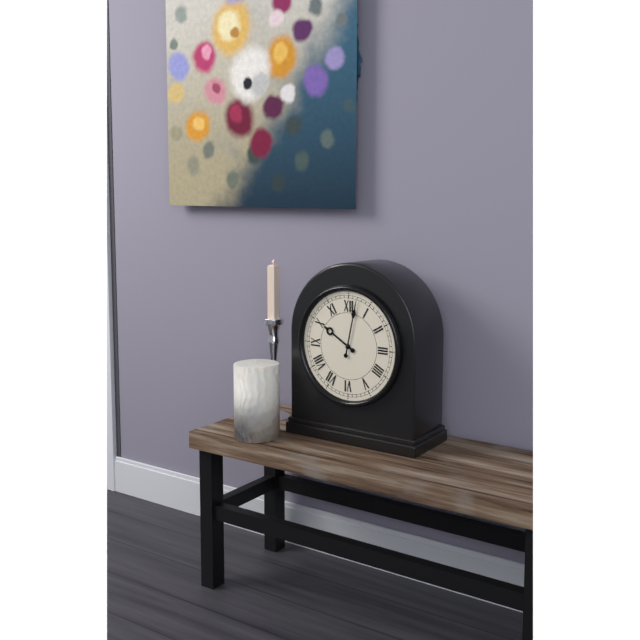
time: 10:02
